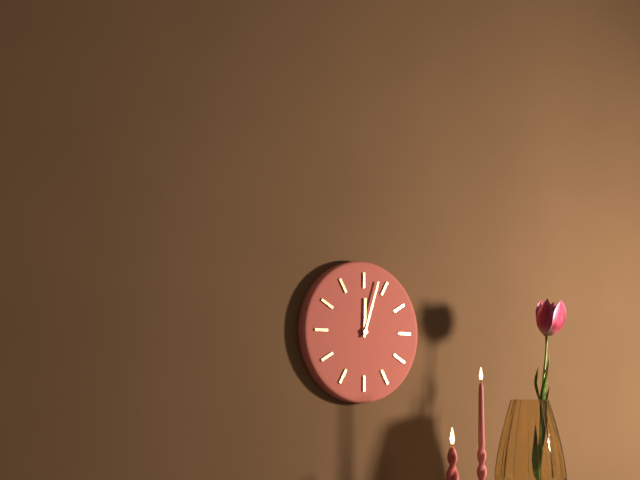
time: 12:03
